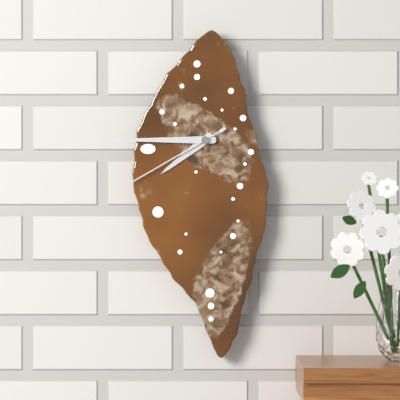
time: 7:45:40
